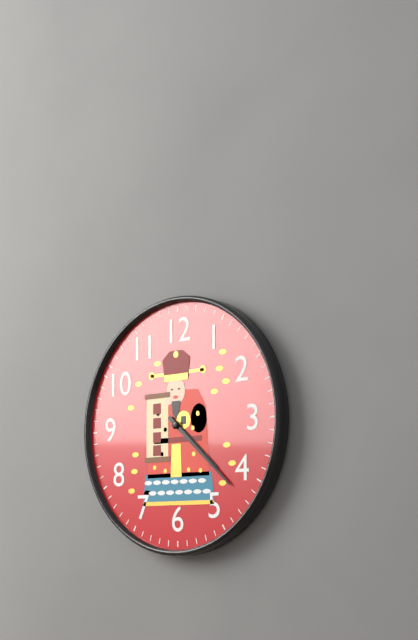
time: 4:22
